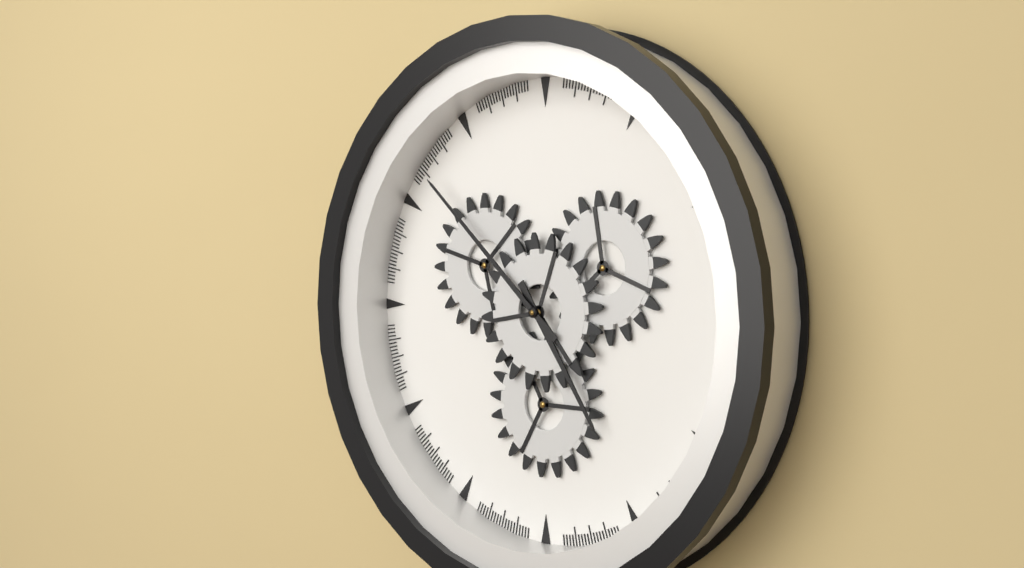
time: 4:52
